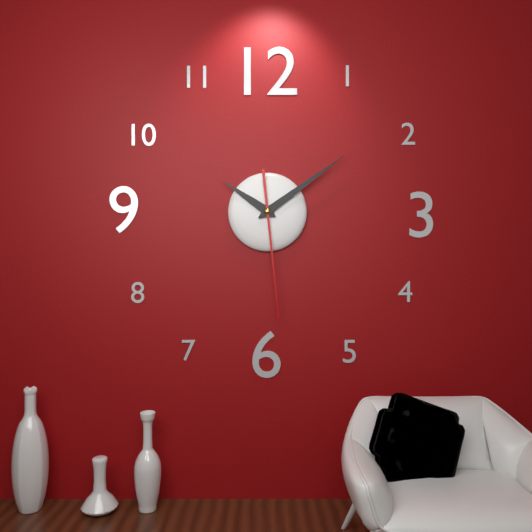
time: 10:09:29
